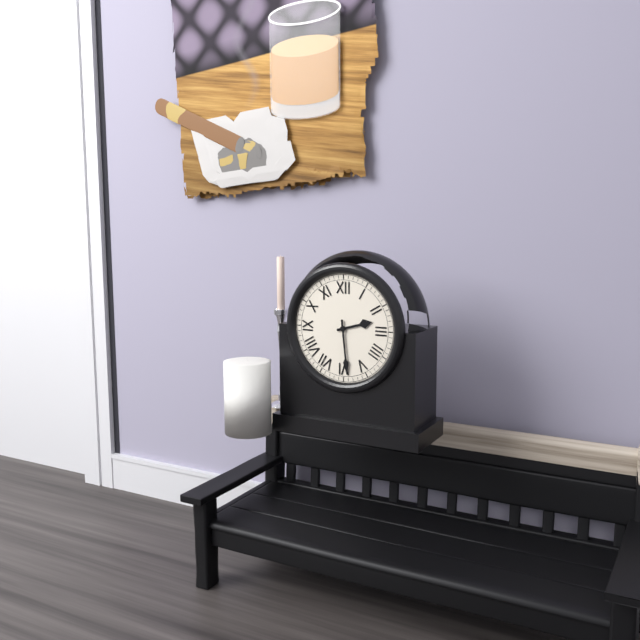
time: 2:29
